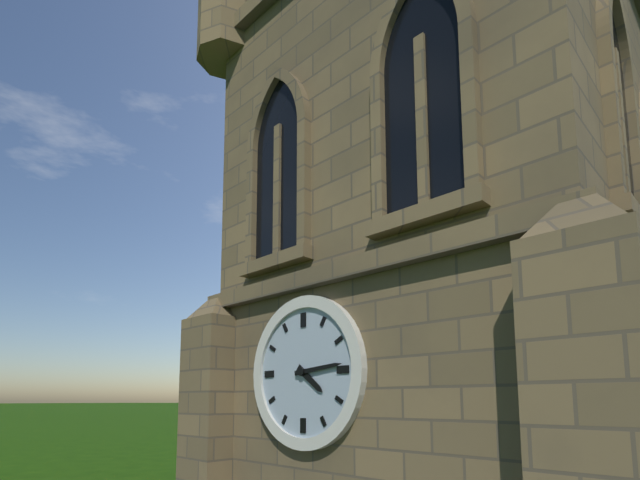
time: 4:14
